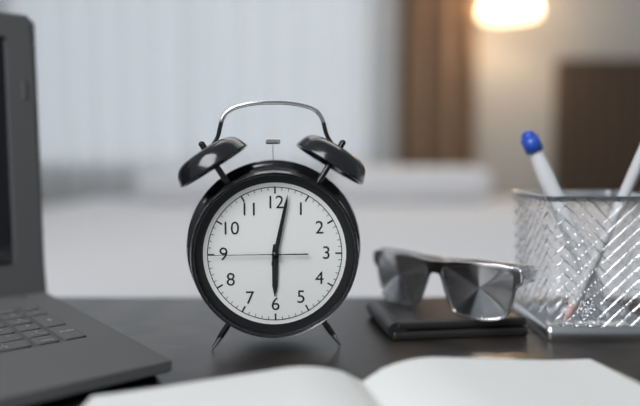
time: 6:02:45
